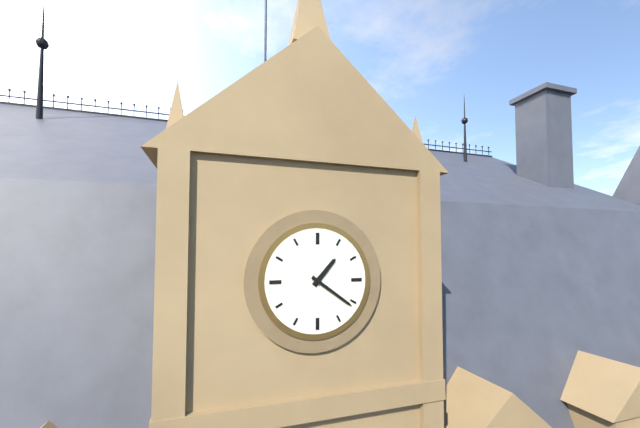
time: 1:21
